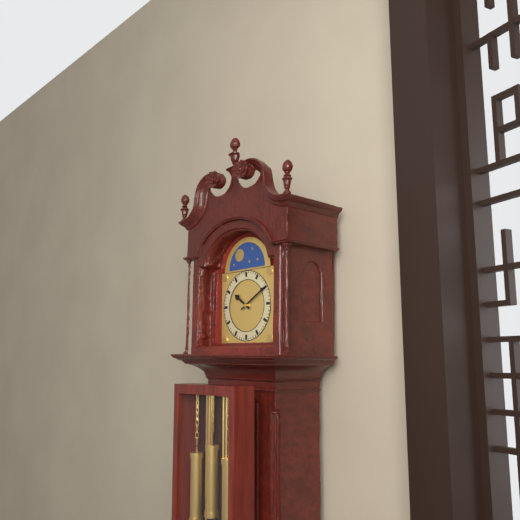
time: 10:10
